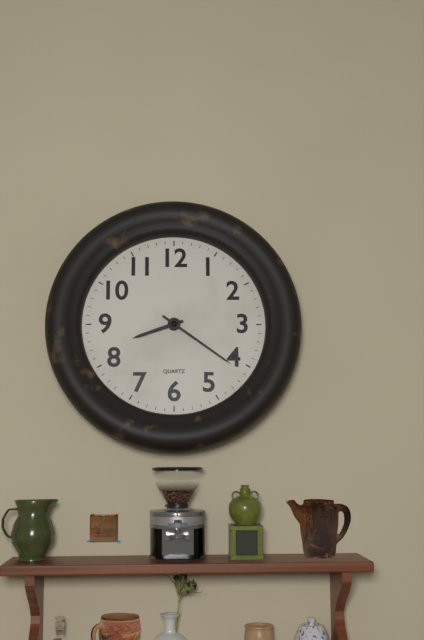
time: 8:21
